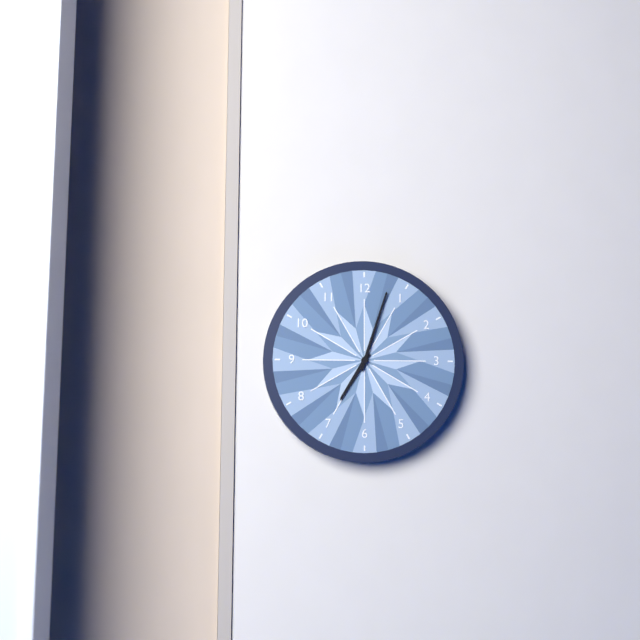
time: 7:03
